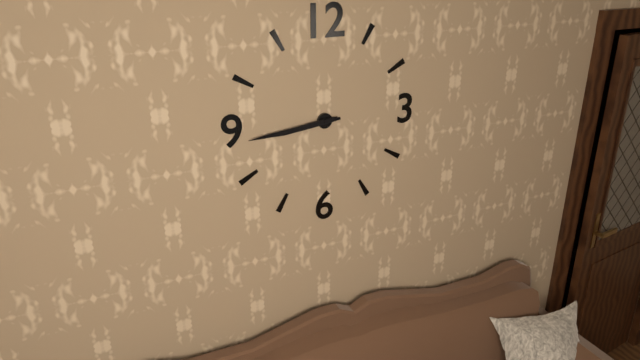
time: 8:44
